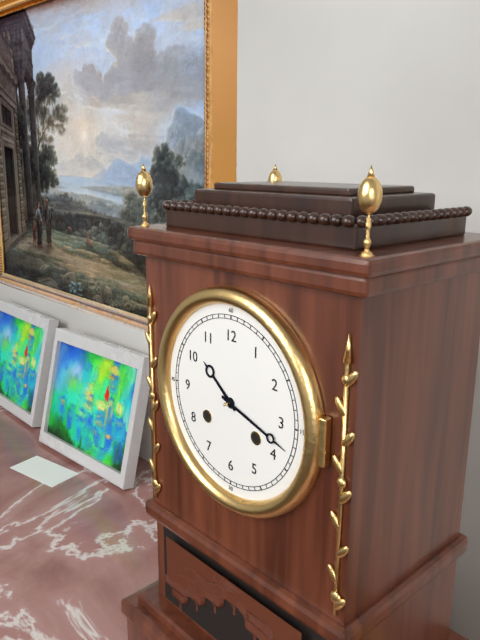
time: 10:18
